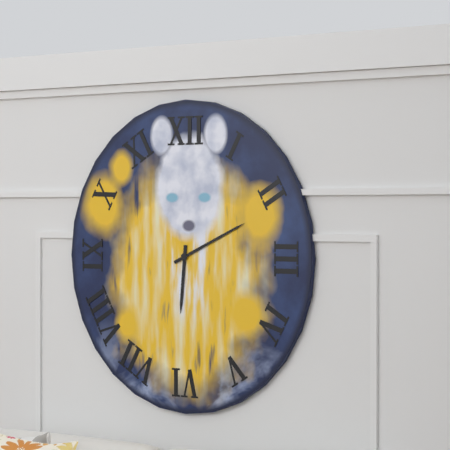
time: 6:11
